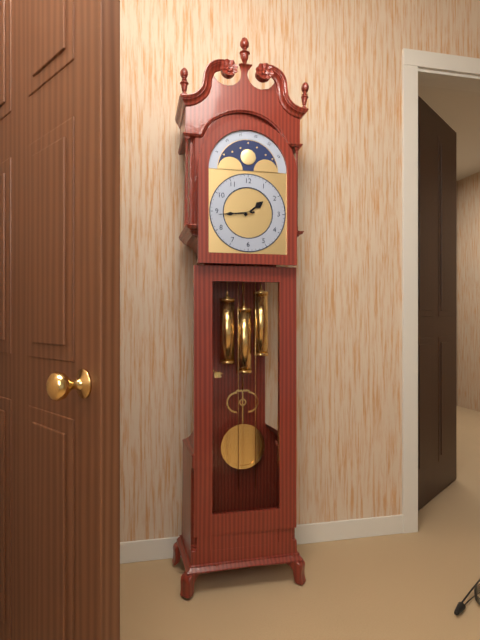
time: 1:44
